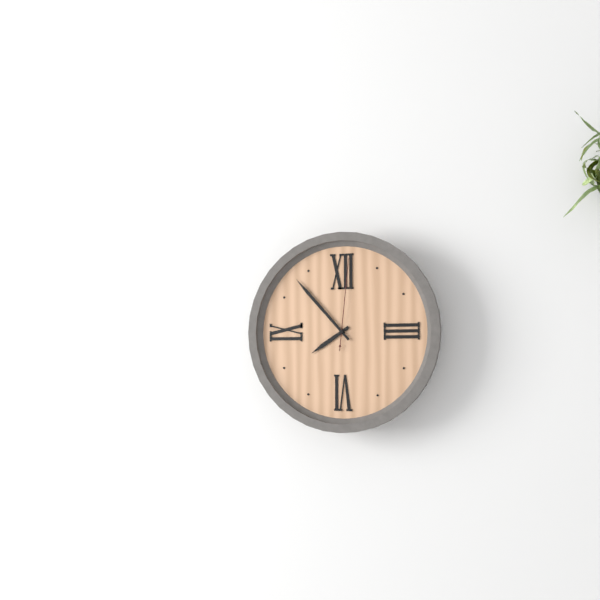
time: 7:53:01
